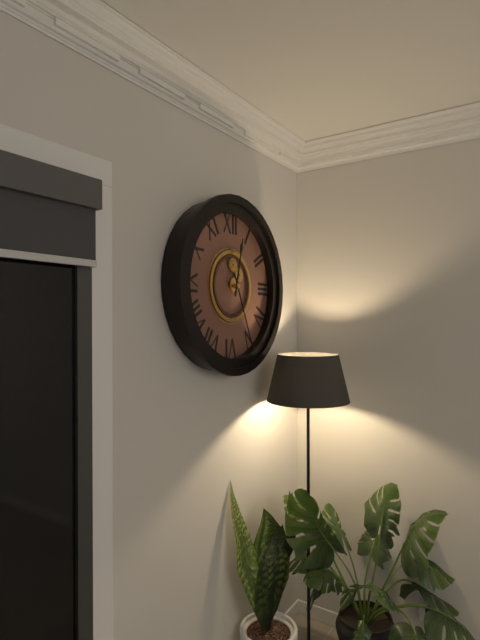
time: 12:26
